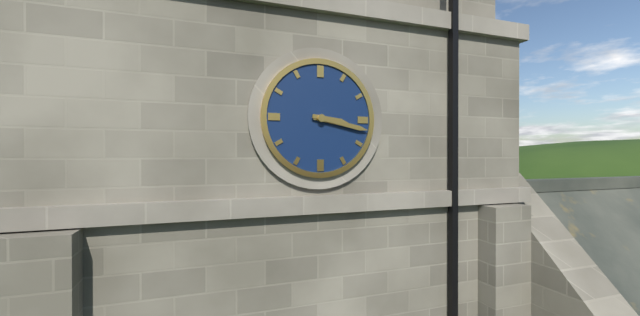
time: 3:17
